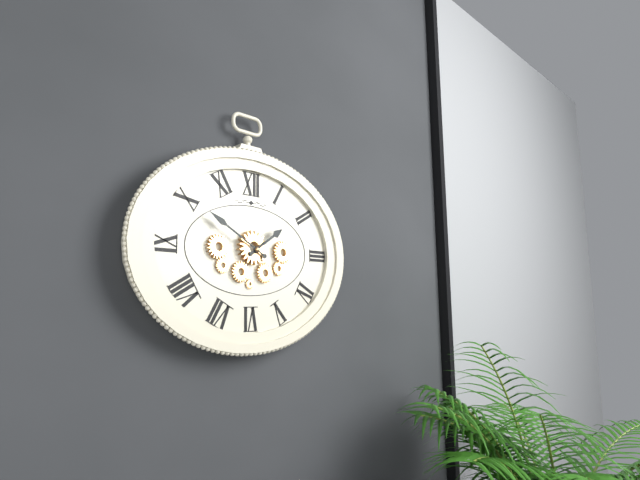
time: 1:50
